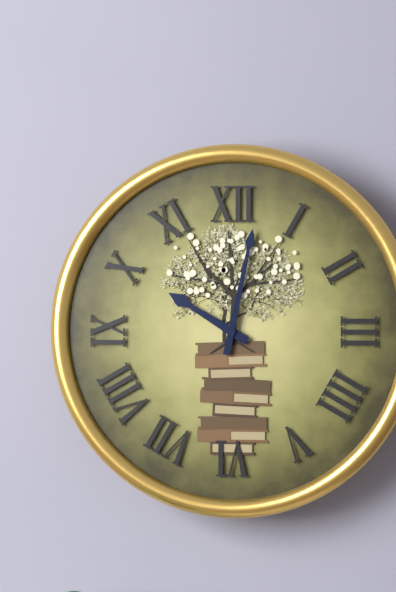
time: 10:02
